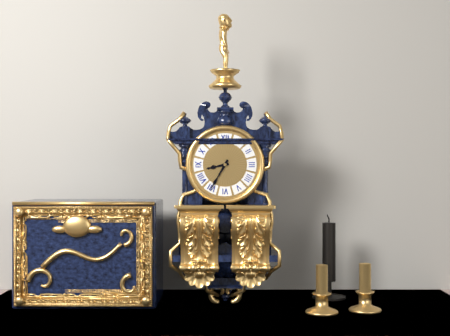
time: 8:35
